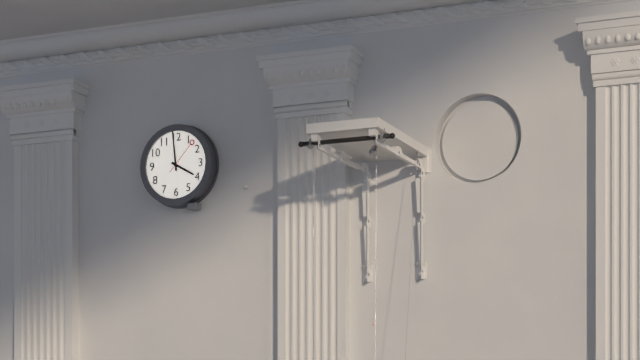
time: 3:59
